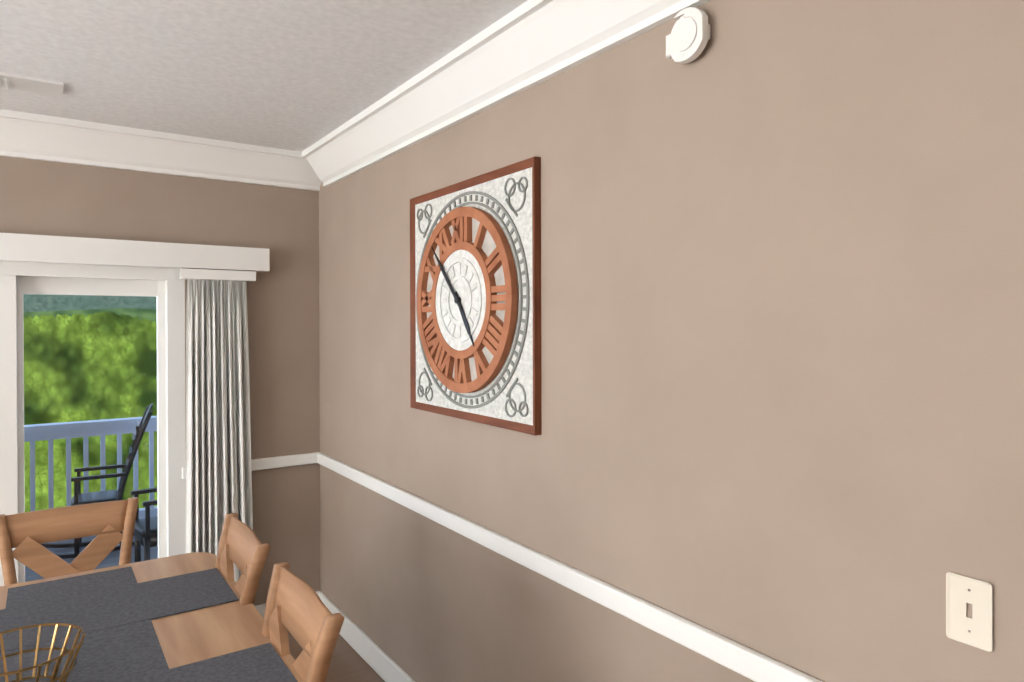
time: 4:53
